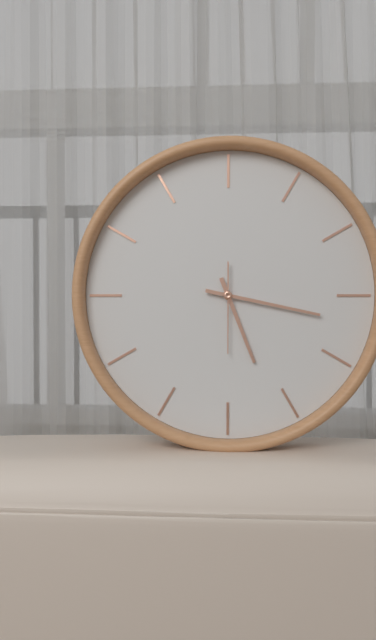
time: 5:17:30
